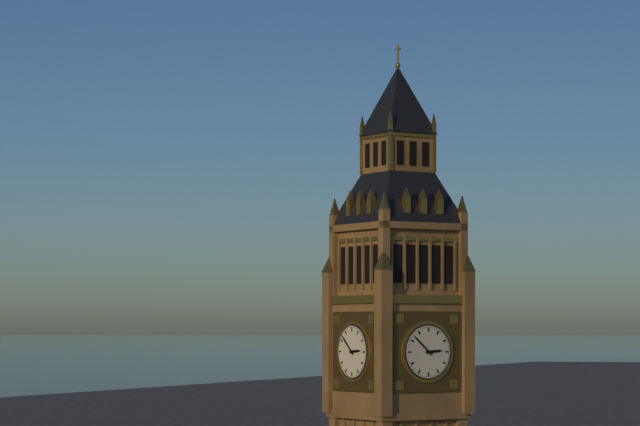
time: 2:52
